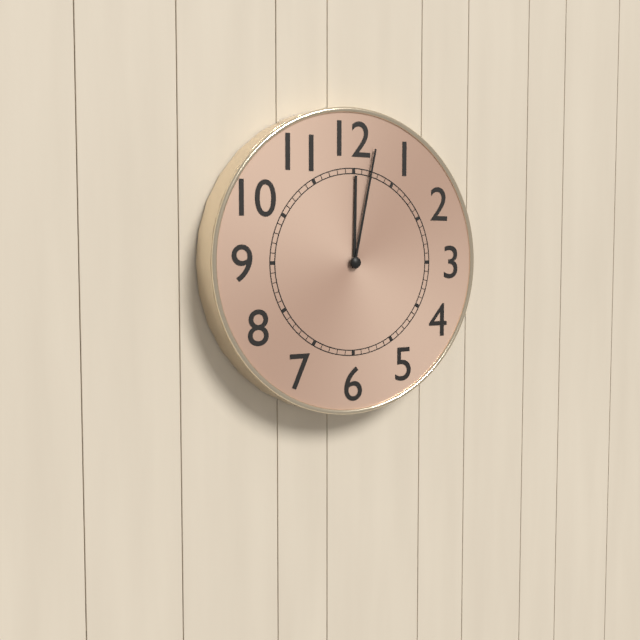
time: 12:02
